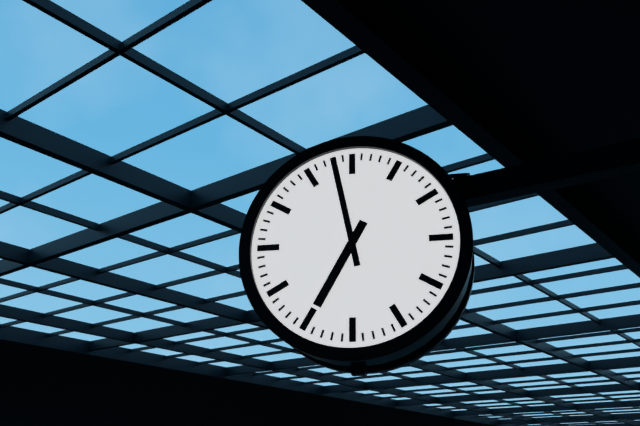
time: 6:58
